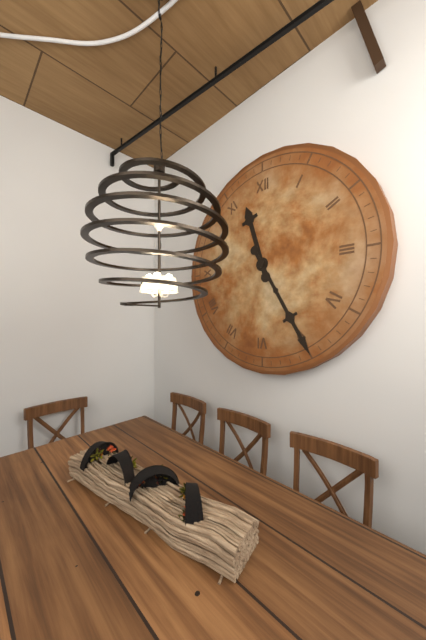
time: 11:25
